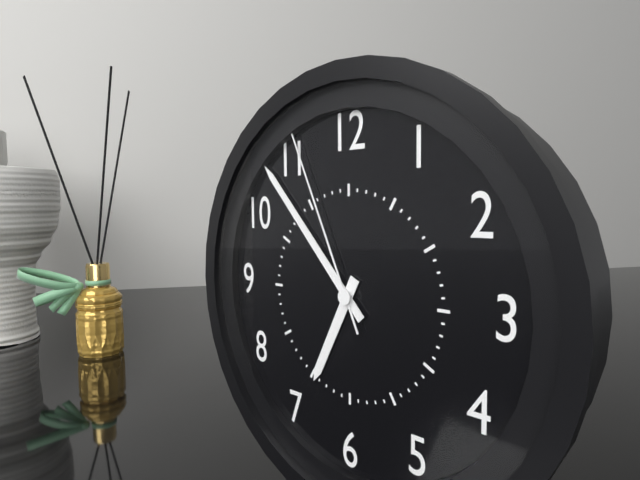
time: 6:53:56
